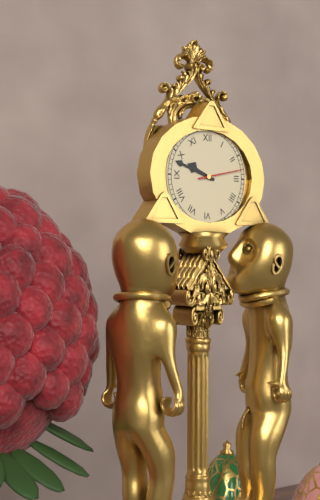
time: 9:48
